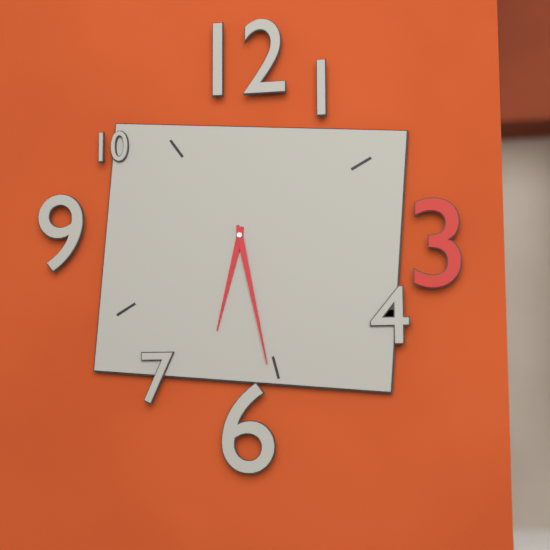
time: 6:28
